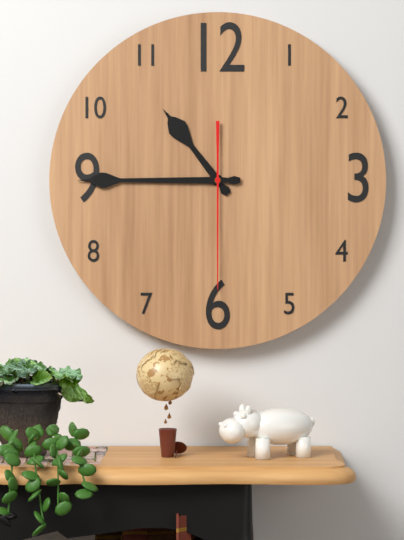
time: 10:45:30
